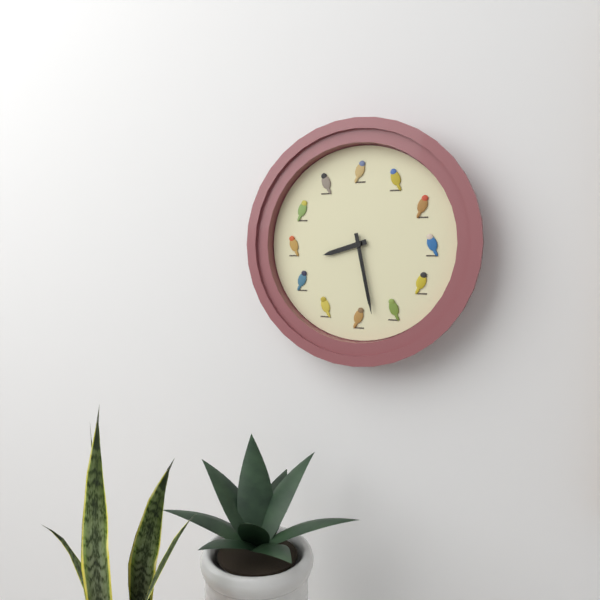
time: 8:28
